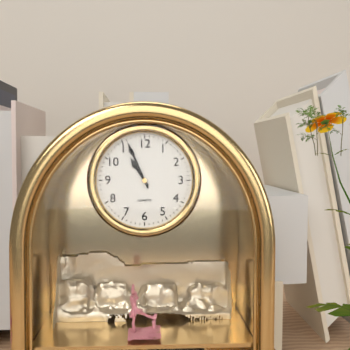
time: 10:56
